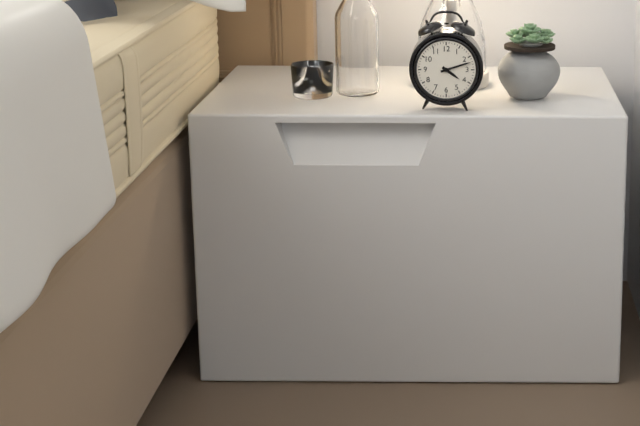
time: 4:12
